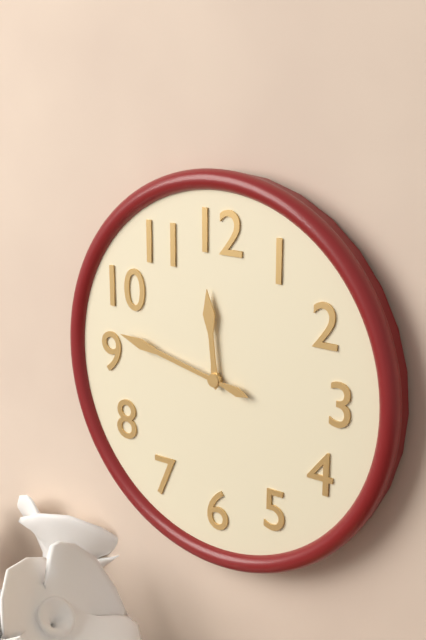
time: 11:47
